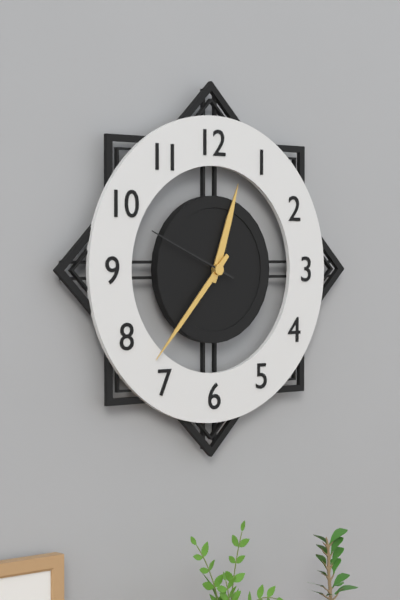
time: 12:37:49
